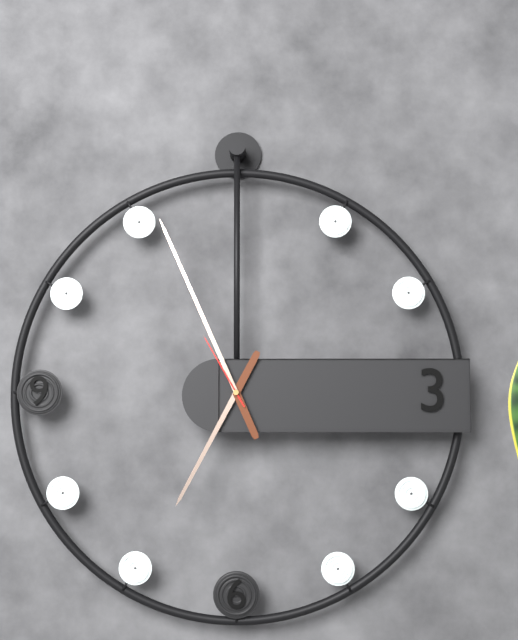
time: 6:56:55
